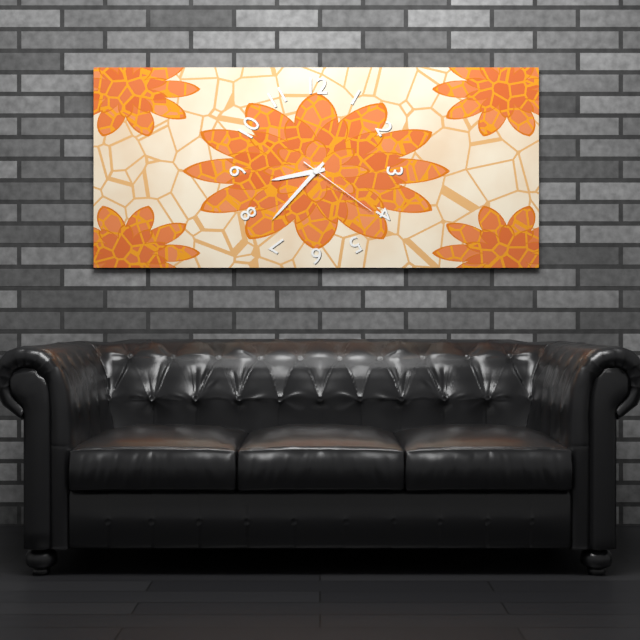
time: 8:37:21
